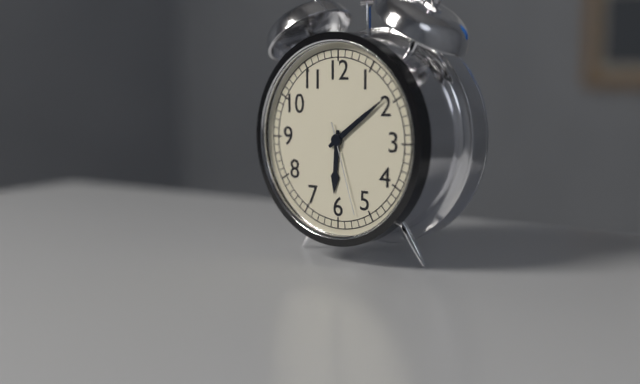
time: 6:09:27
